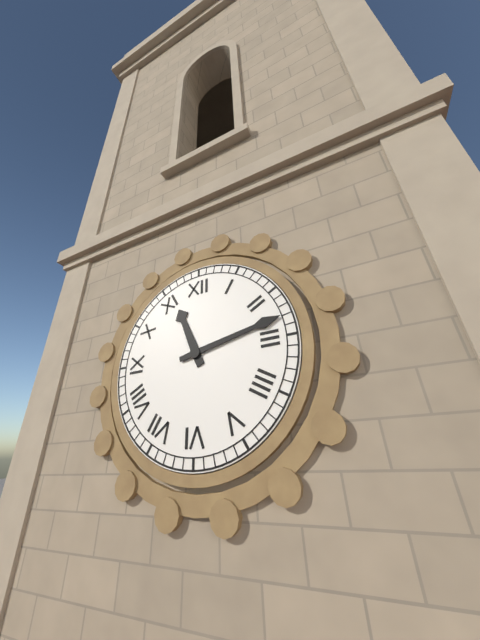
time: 11:13
